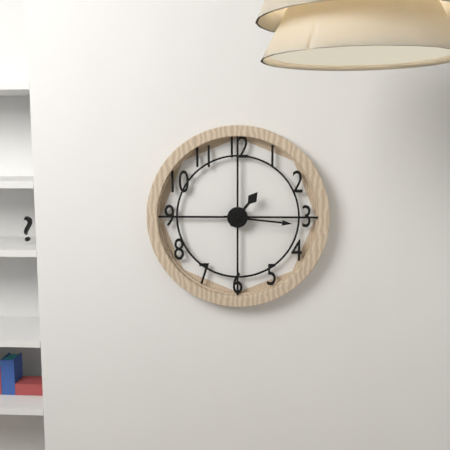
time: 1:16
